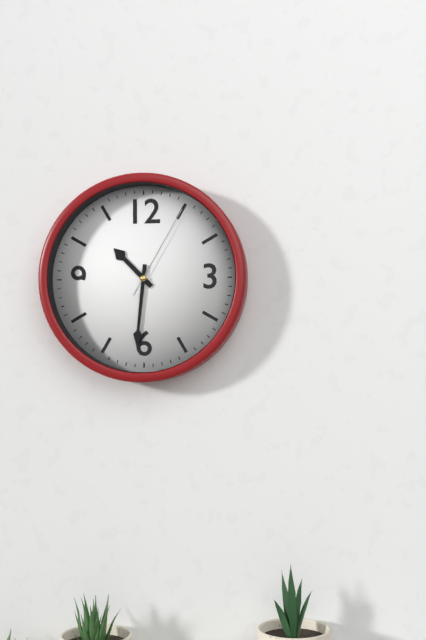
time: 10:31:05
